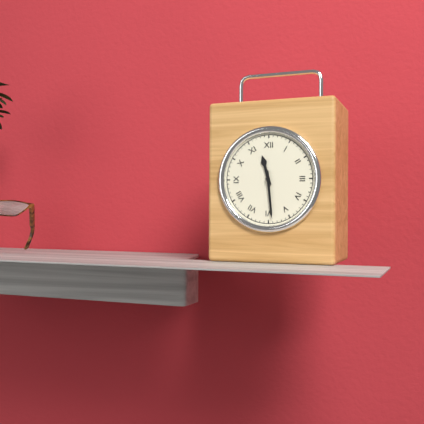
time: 11:29
